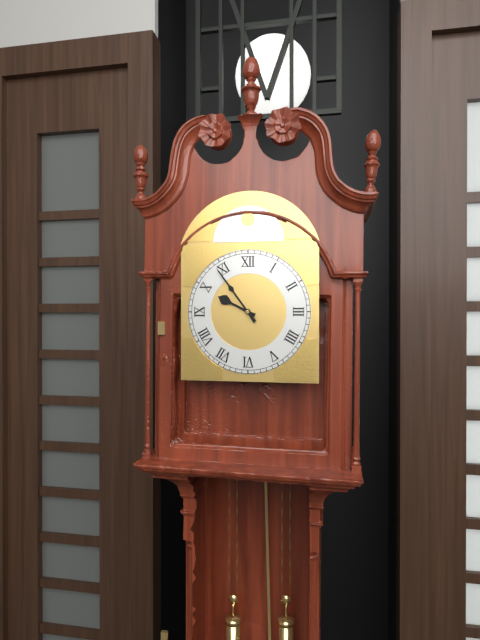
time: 9:54
